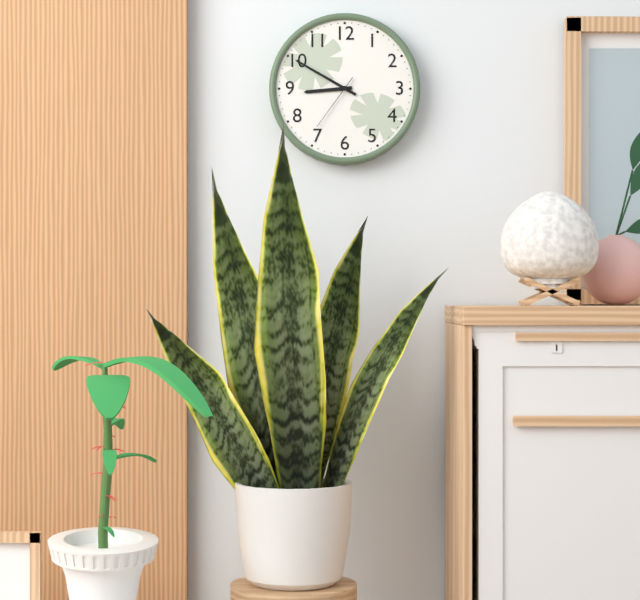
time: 8:50:36
